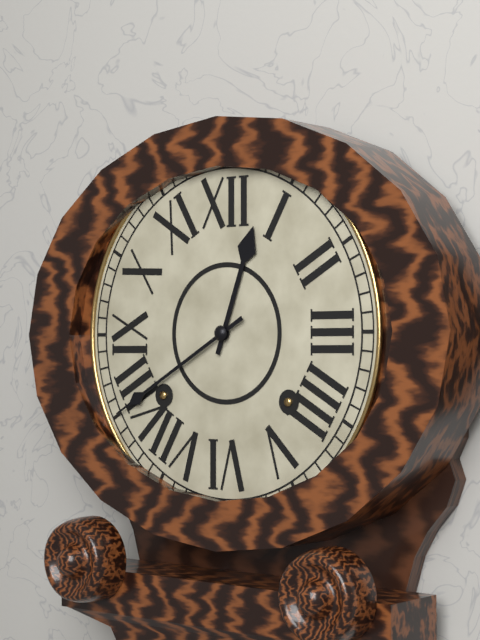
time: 12:40
